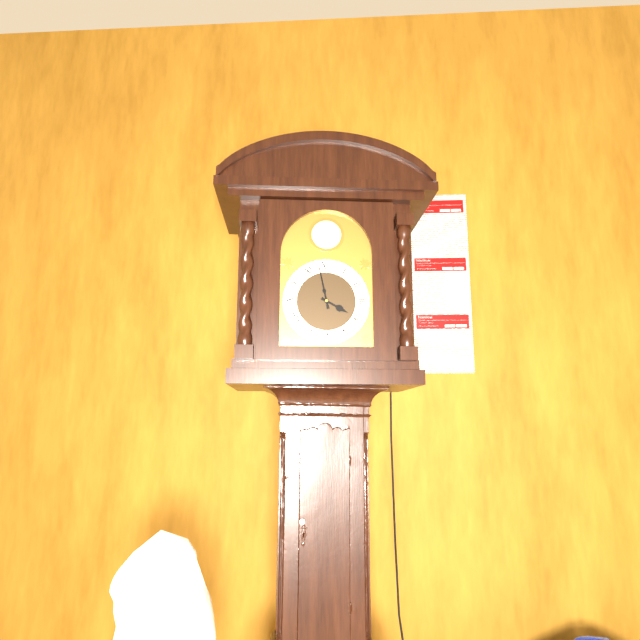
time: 3:58
